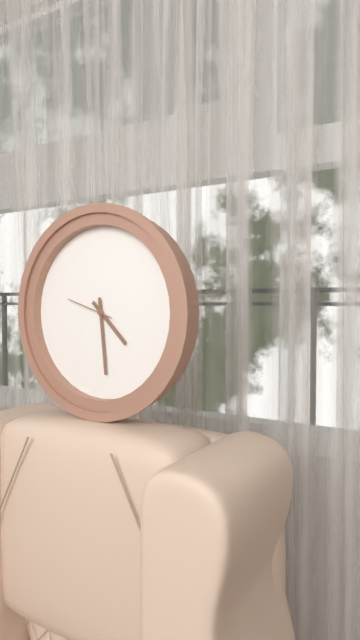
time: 4:29
